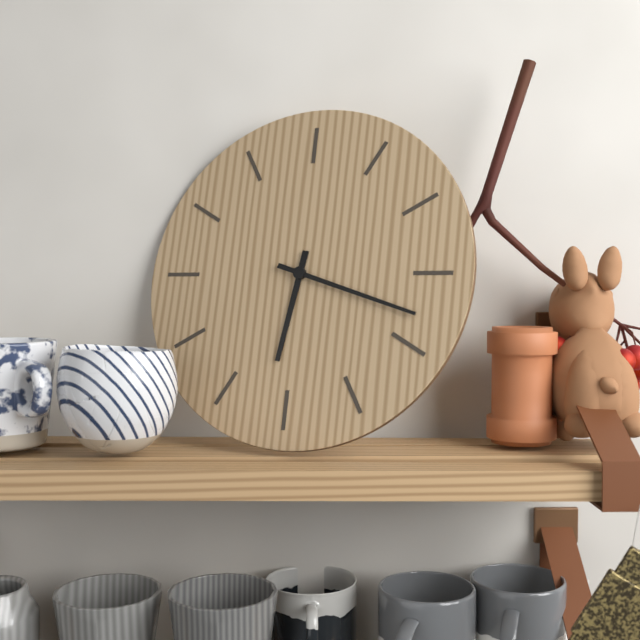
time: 6:18
